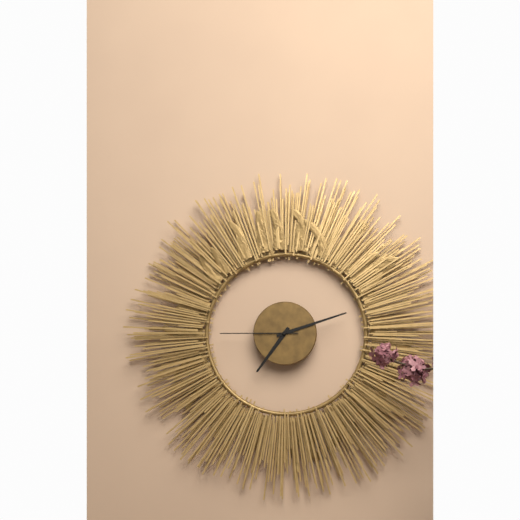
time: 7:12:45
